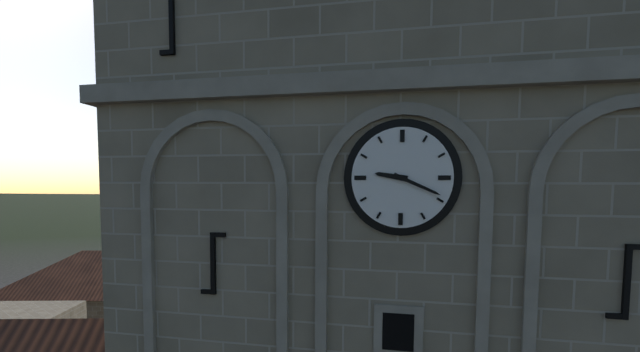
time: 9:19
